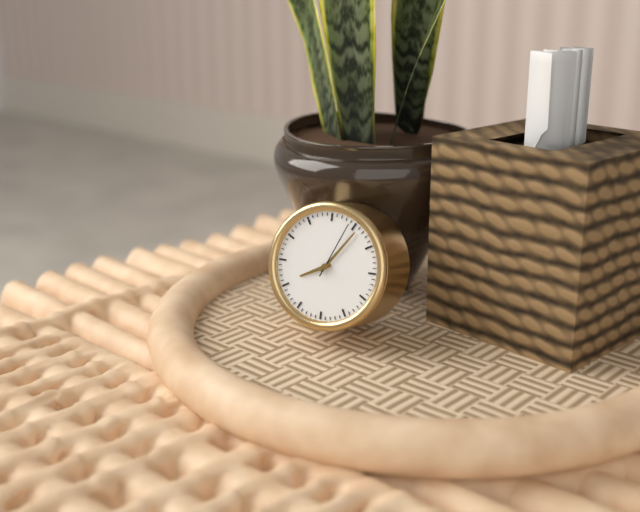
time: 8:06:04
